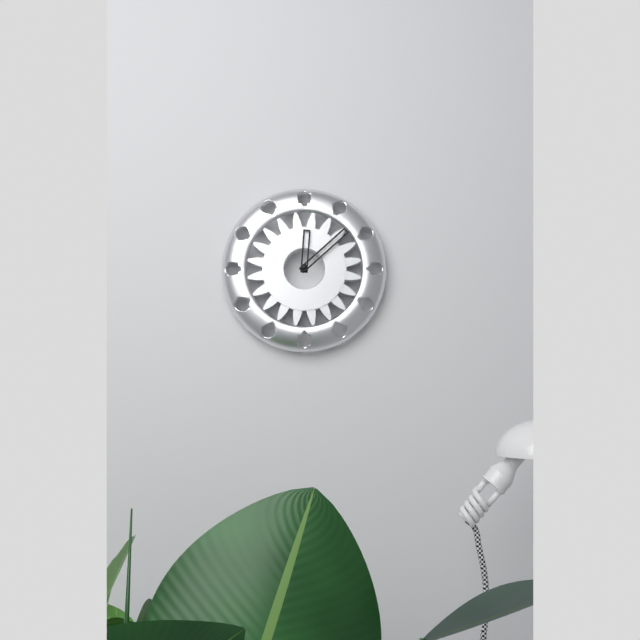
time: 12:08
